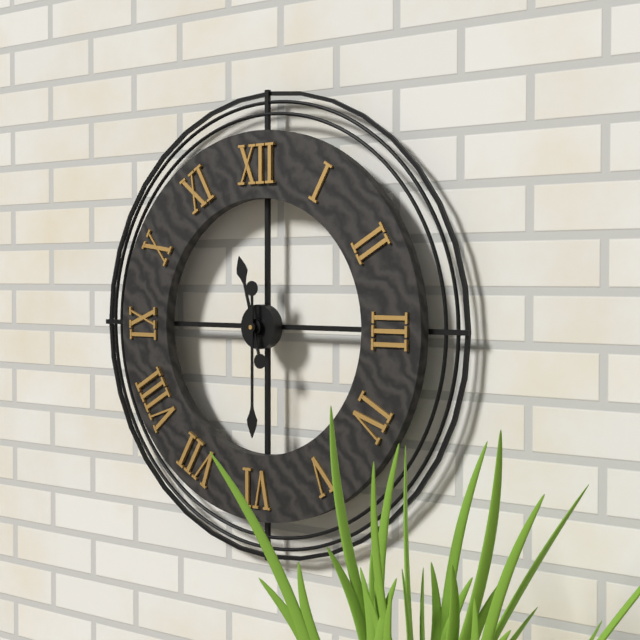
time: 11:30
